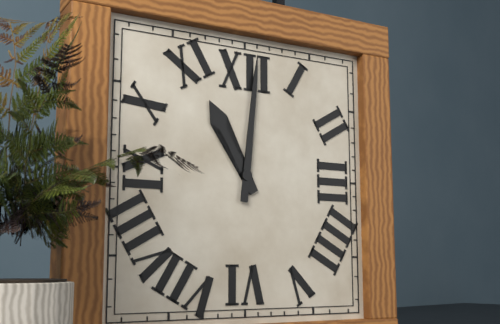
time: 11:01
